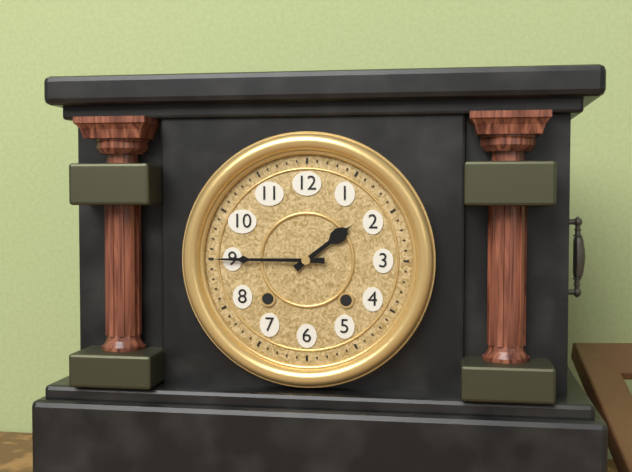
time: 1:45
